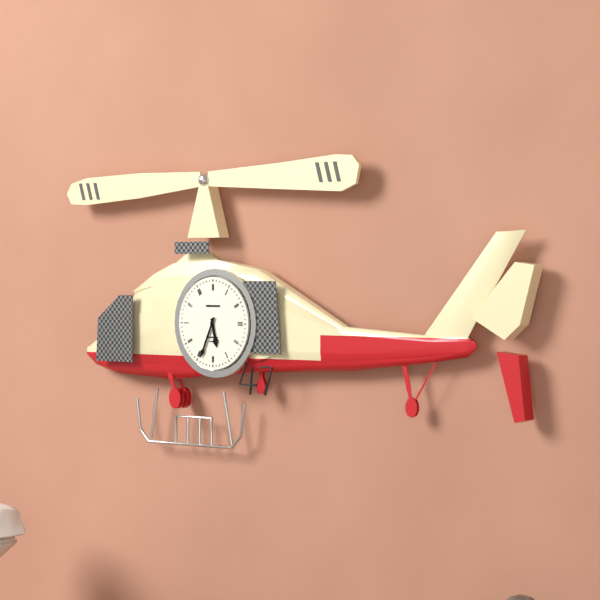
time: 5:34
